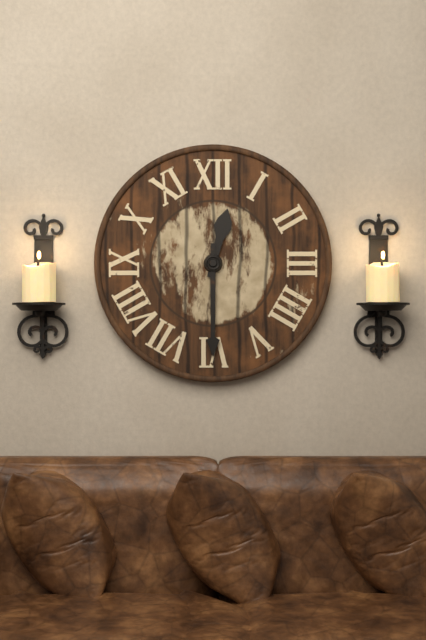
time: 12:30
